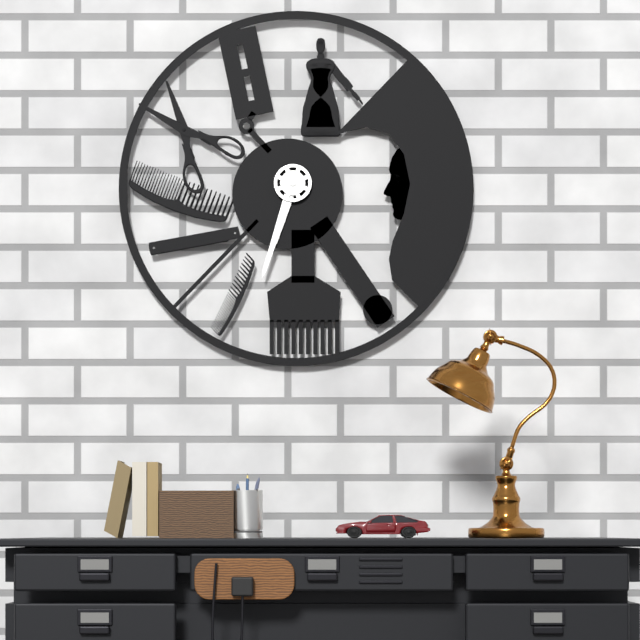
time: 6:33
